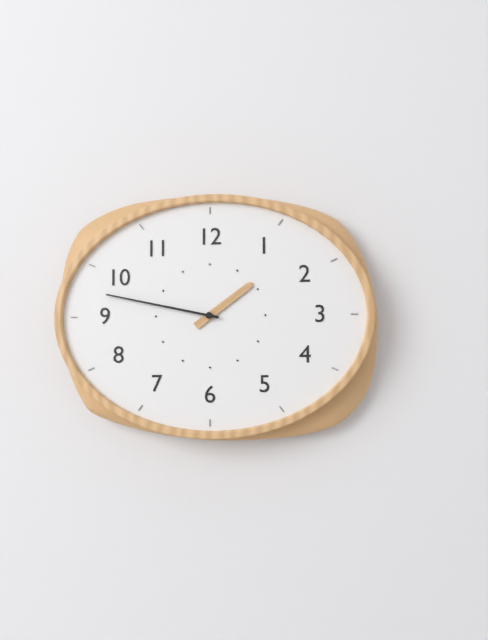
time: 1:47
